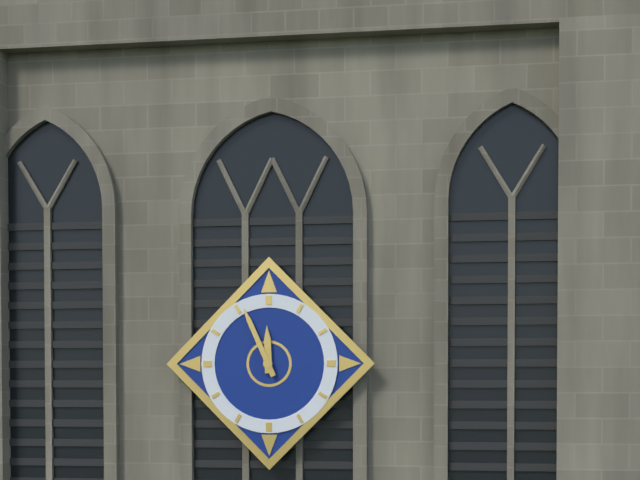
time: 11:56
